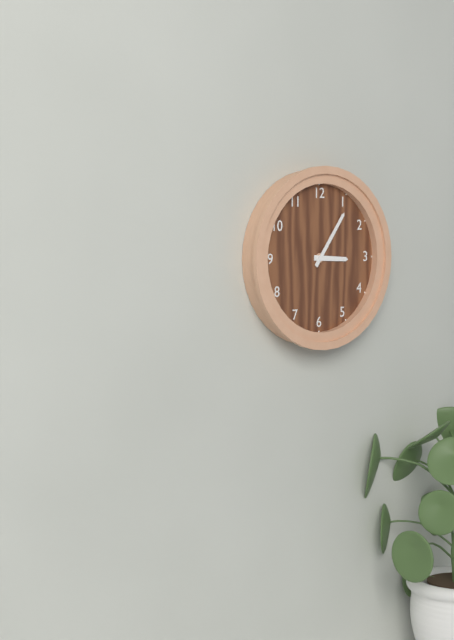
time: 3:06
